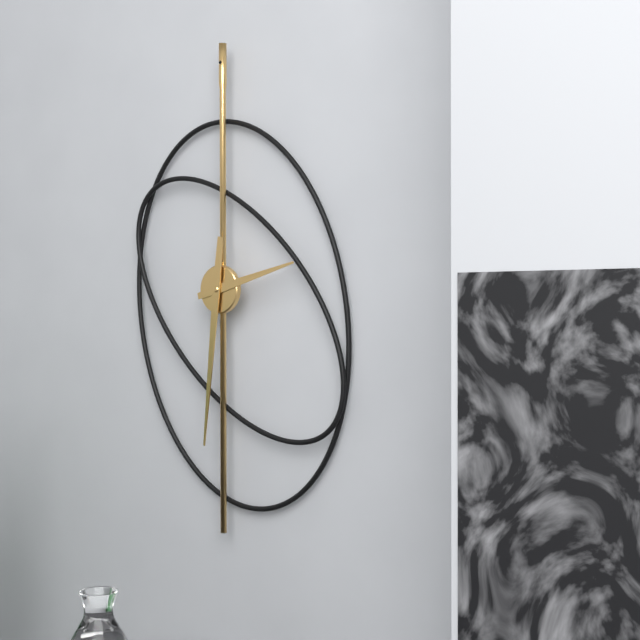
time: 2:31
